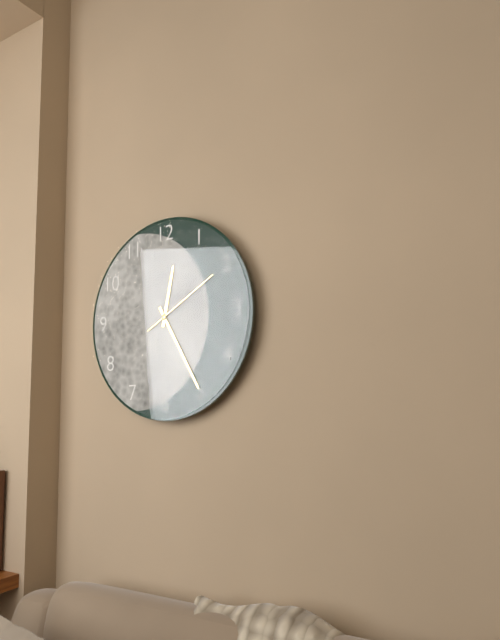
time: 12:25:10
